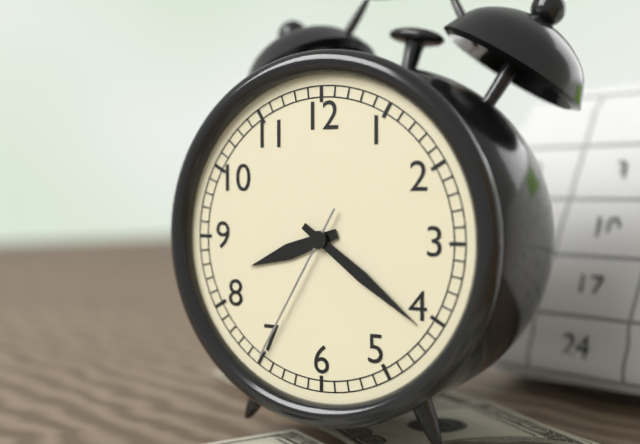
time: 8:21:35
